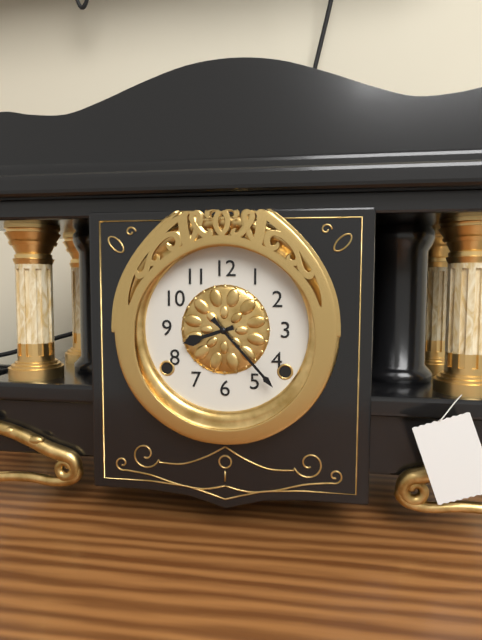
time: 8:23
